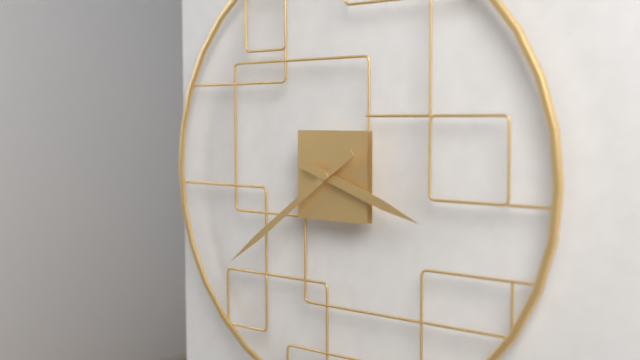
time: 3:39
